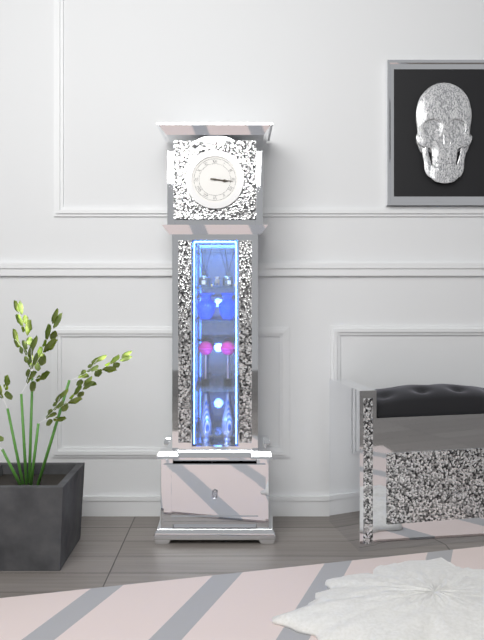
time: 3:16
